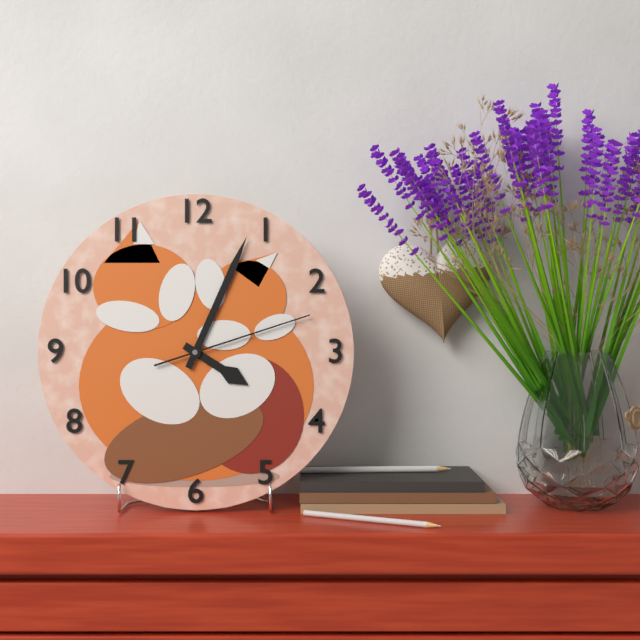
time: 4:04:12
